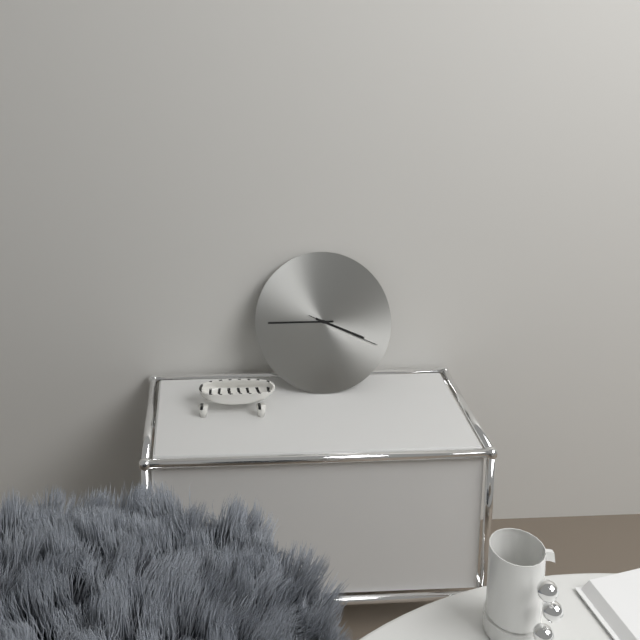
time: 3:45:19
